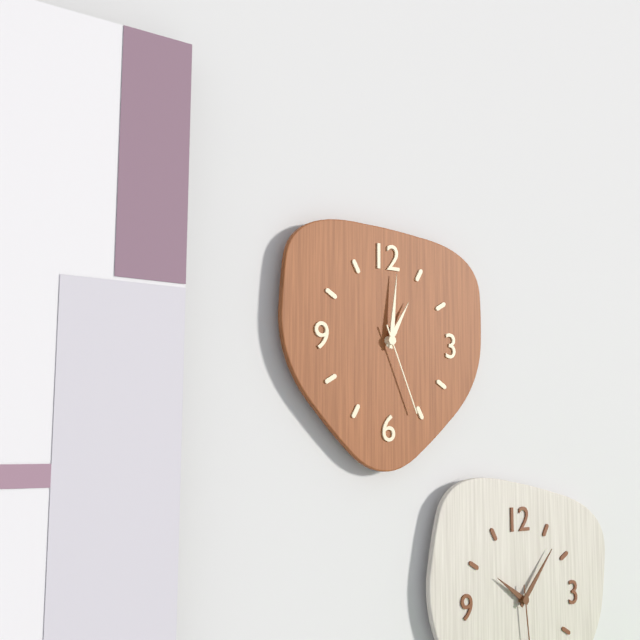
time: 1:01:26
